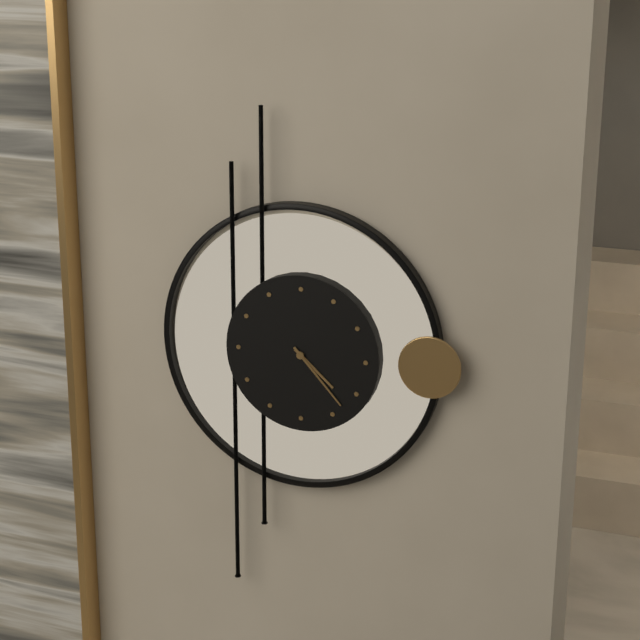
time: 4:23
